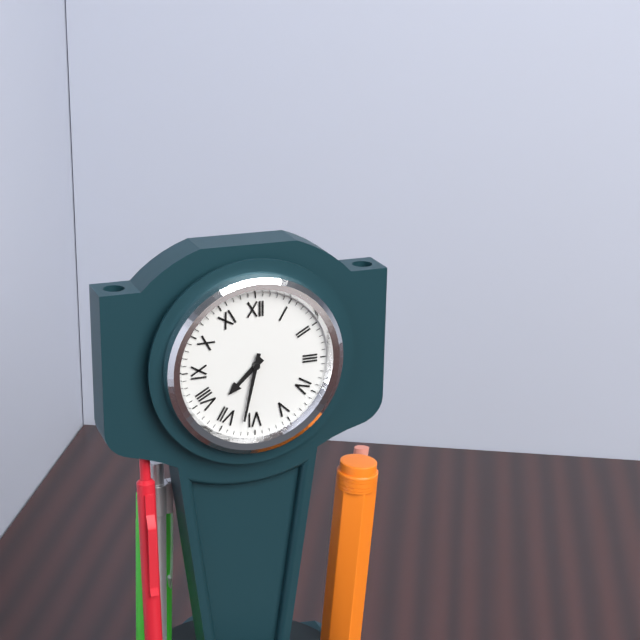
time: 7:32
